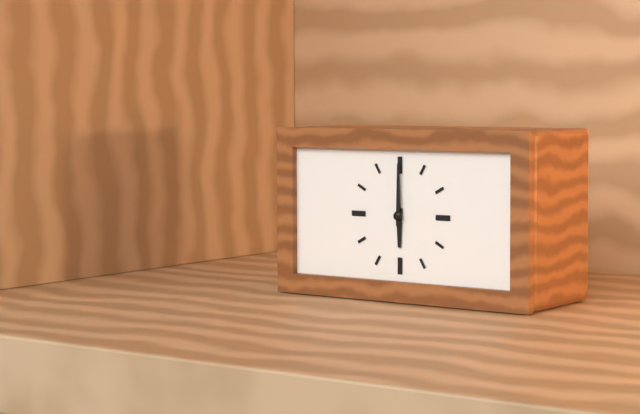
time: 6:00
